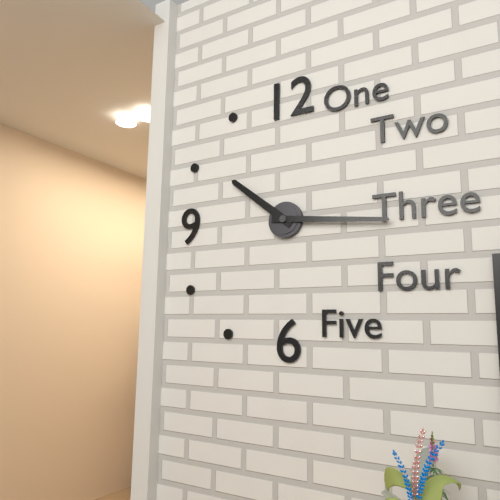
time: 10:16
